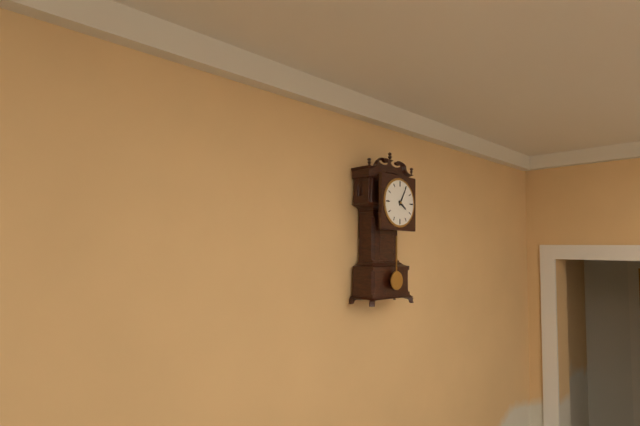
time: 4:05
